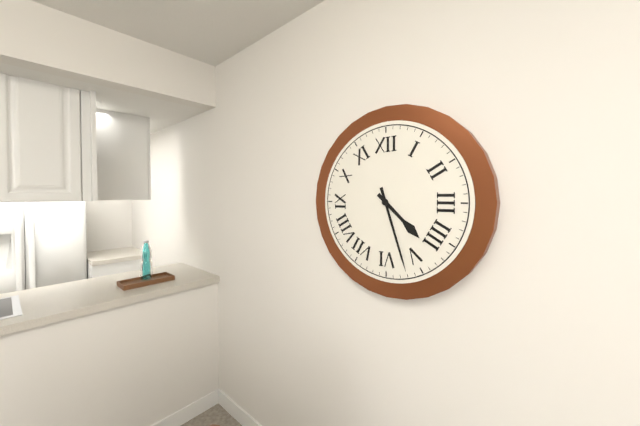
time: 4:27
